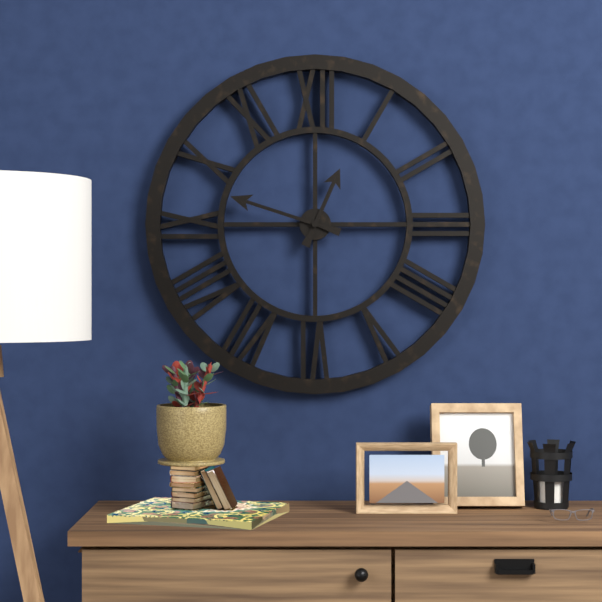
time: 12:48
